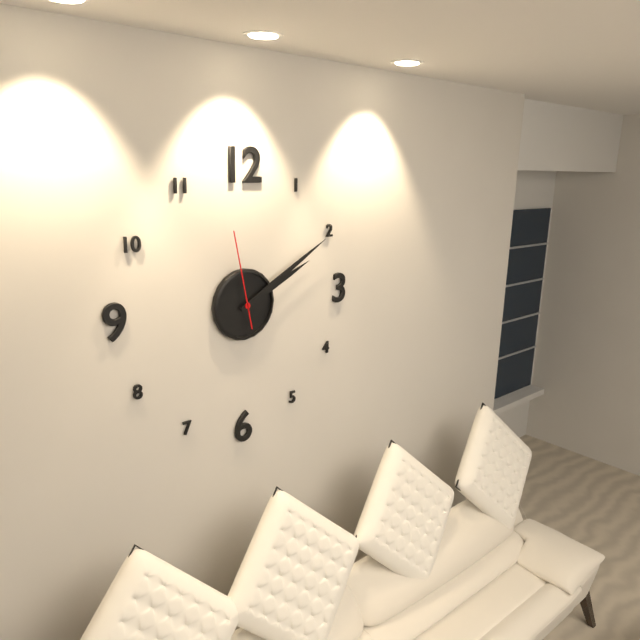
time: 2:10:58
